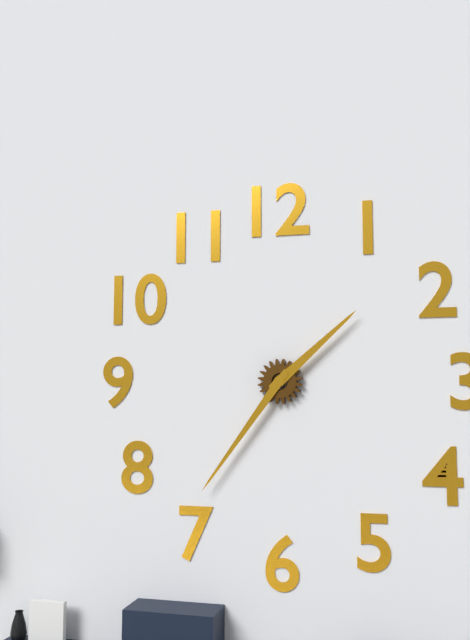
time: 1:36
